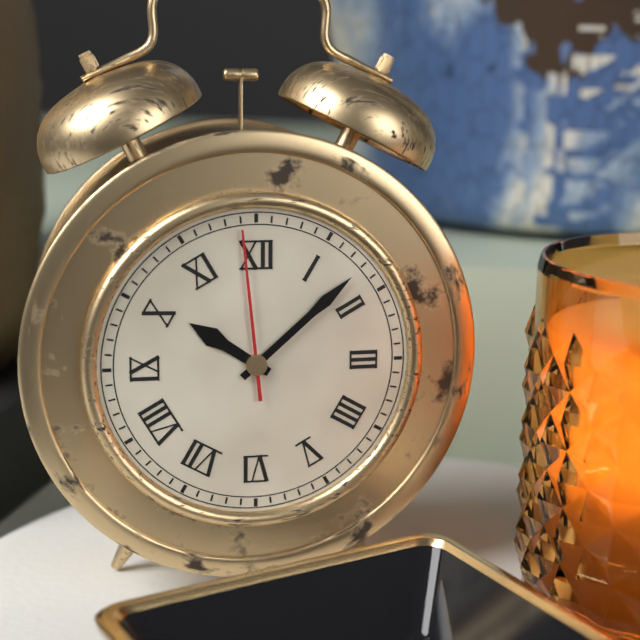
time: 10:08:59
